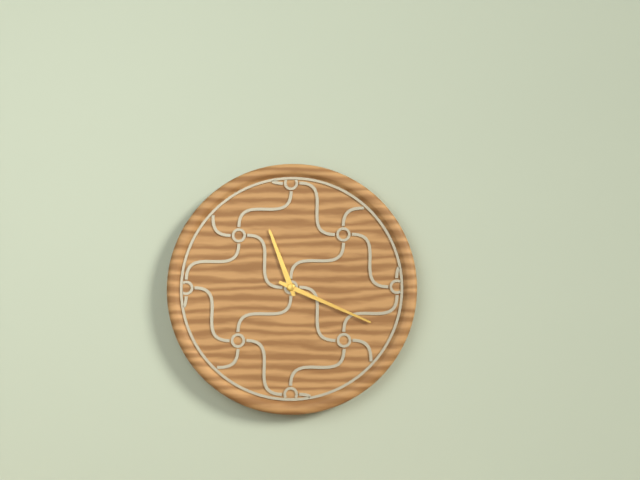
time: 11:19
